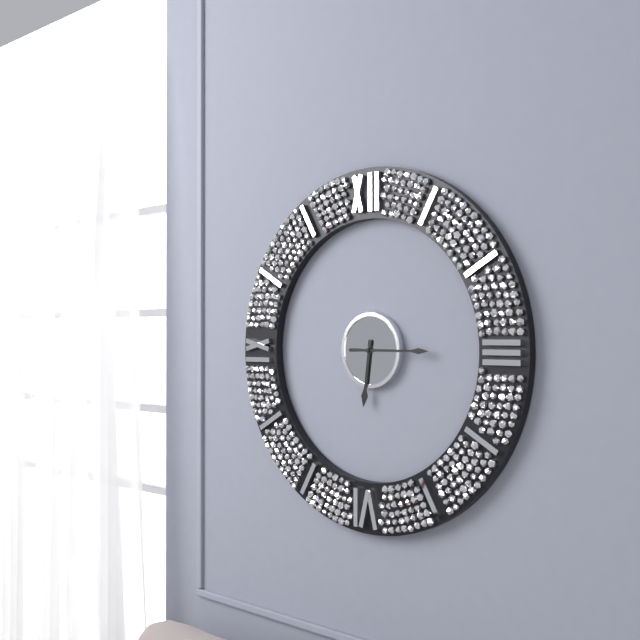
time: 6:15
